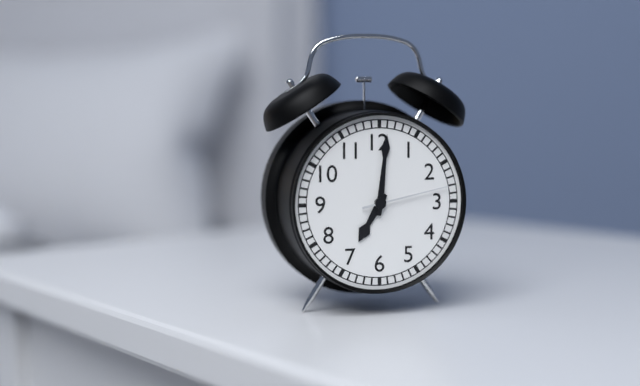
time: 7:01:13
